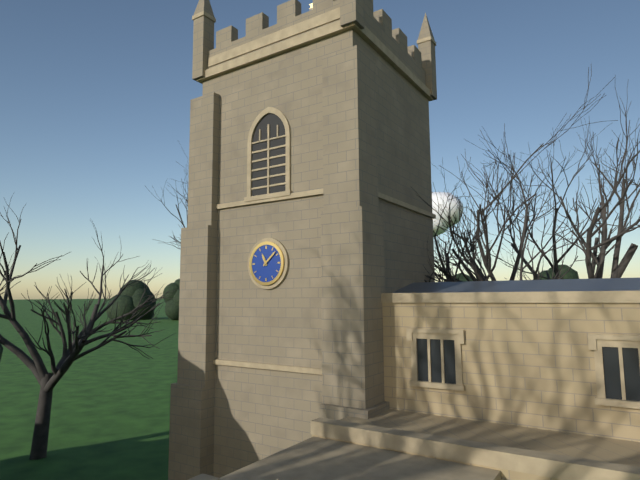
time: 11:08
